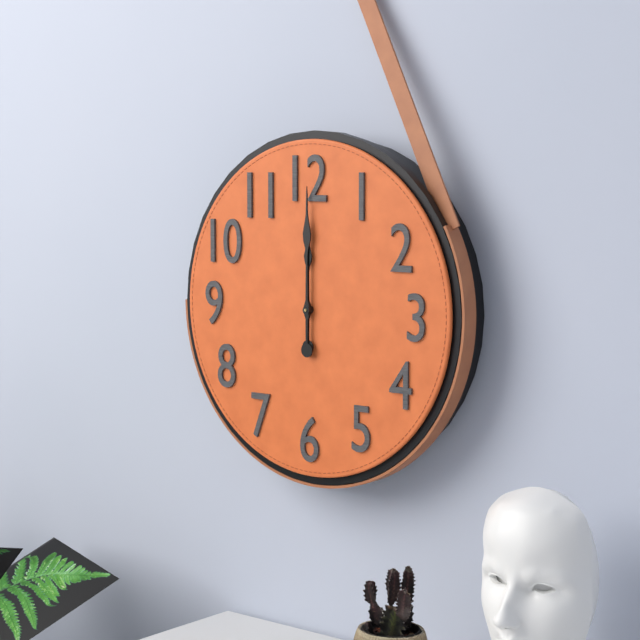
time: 12:00
